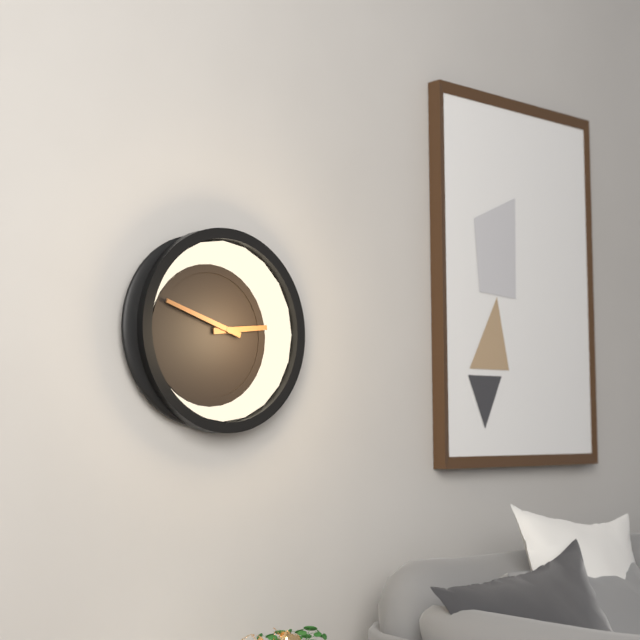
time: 2:48
